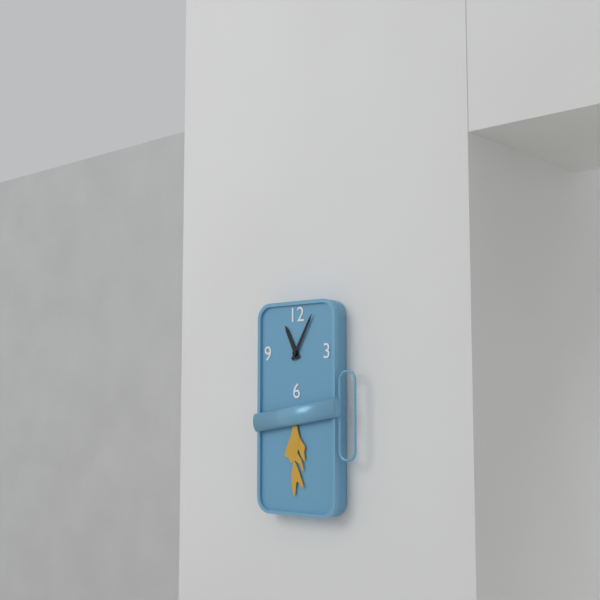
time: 11:05
